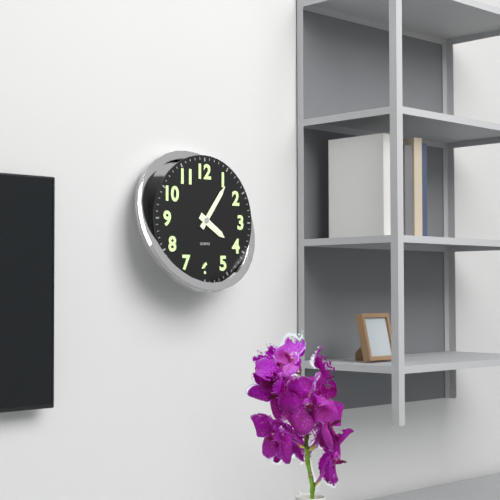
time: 4:06
